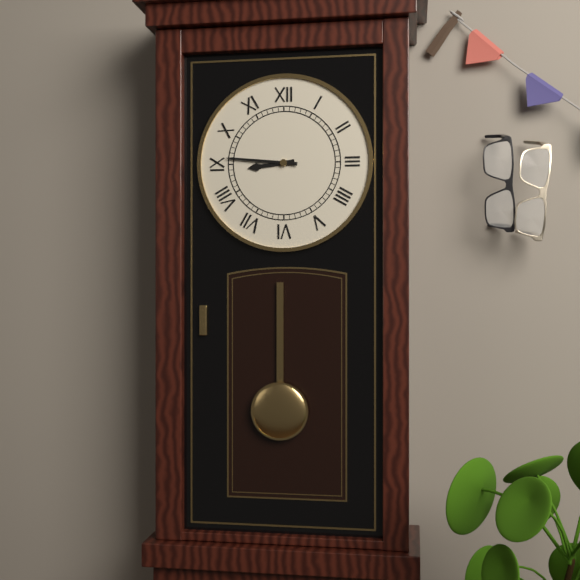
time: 8:46
